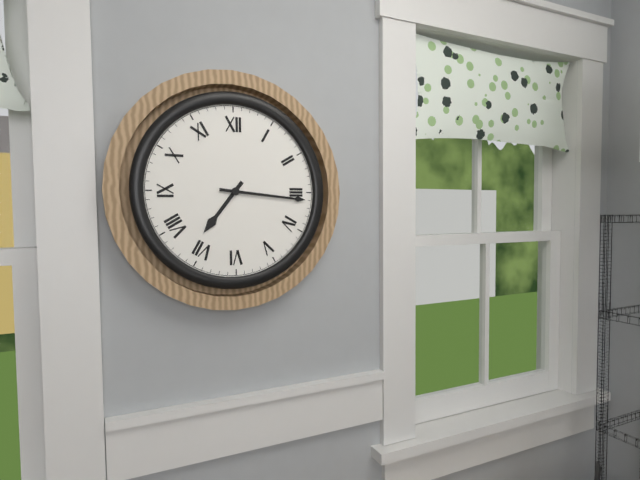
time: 7:16
